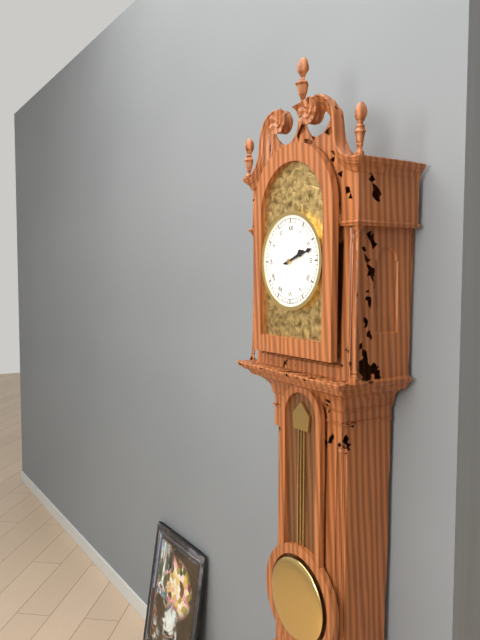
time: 2:12
